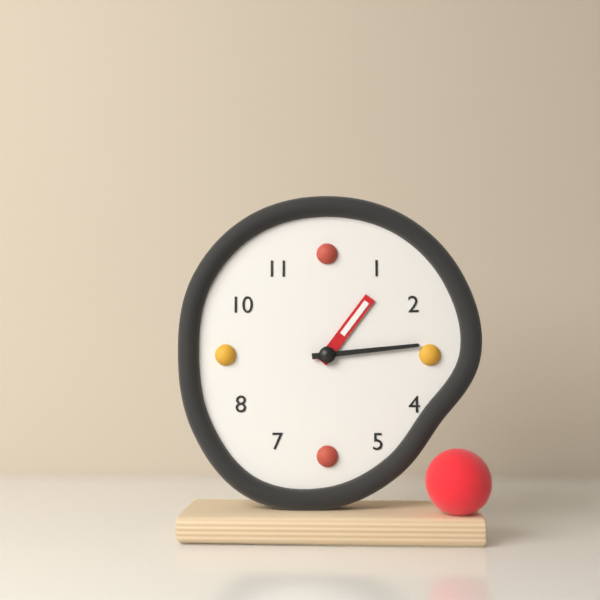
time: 1:14
